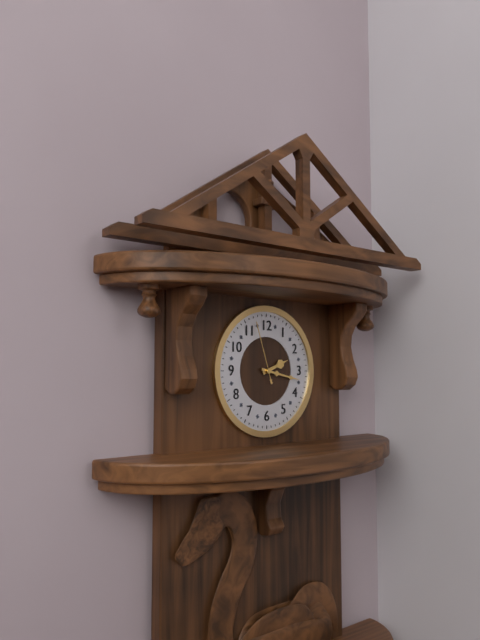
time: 2:17:57
